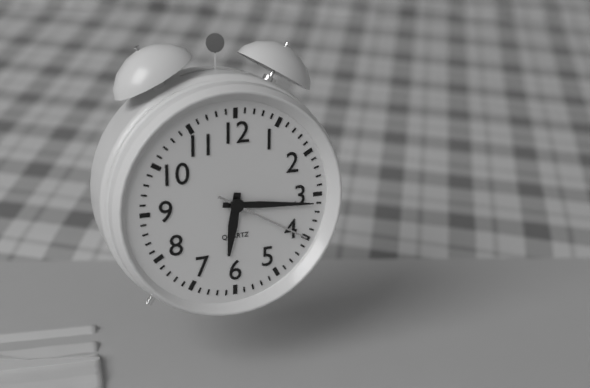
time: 6:16:20
